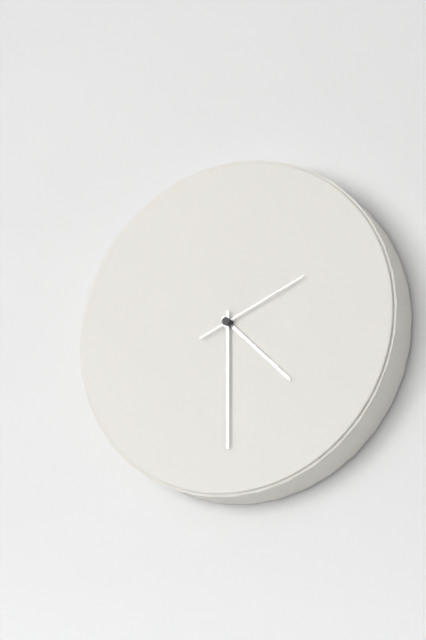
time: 4:30:11
